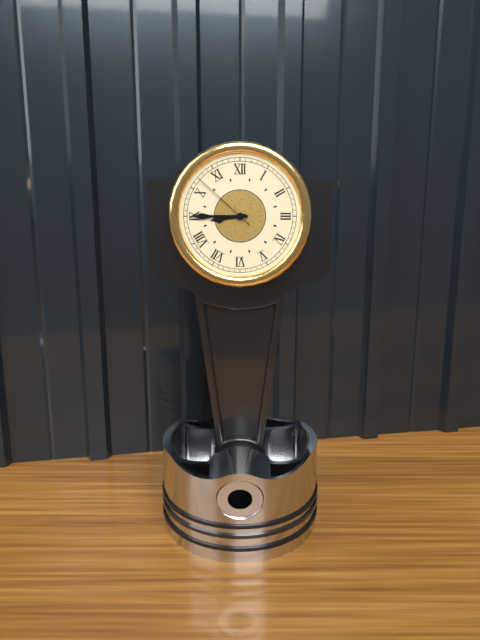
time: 8:45:52
